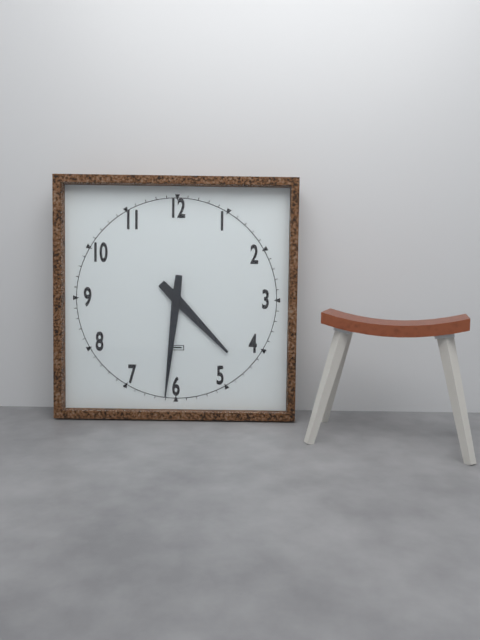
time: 4:31
